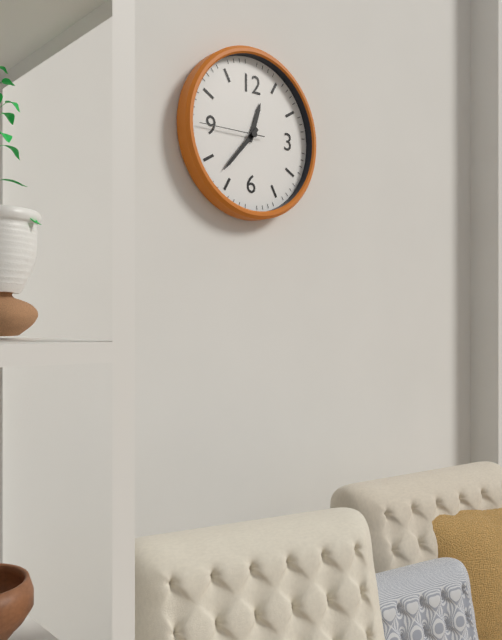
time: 12:37:45
